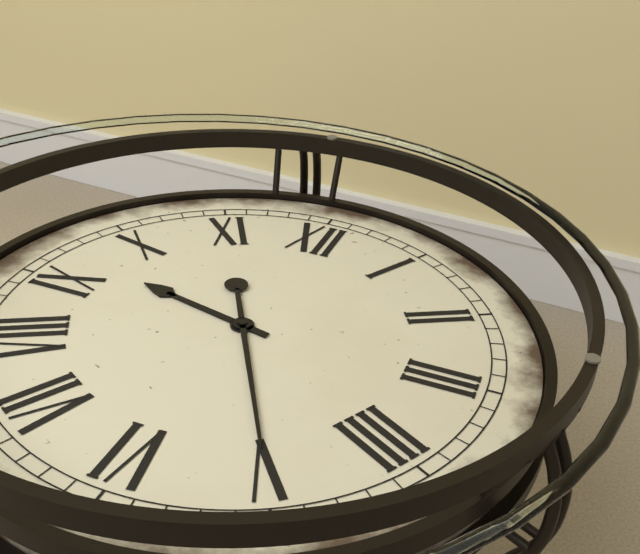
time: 9:25
